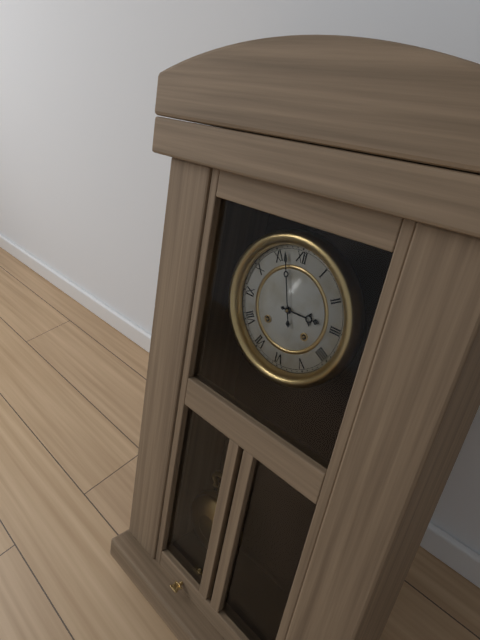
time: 2:57
